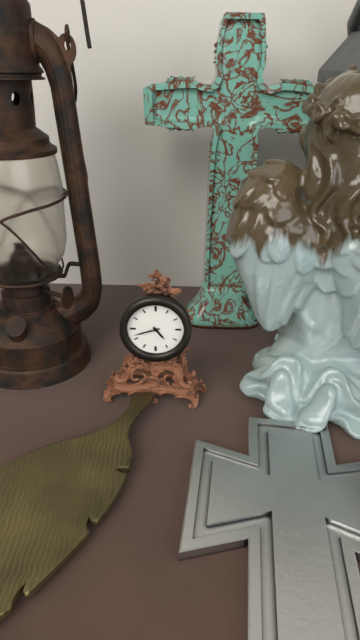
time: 4:42
